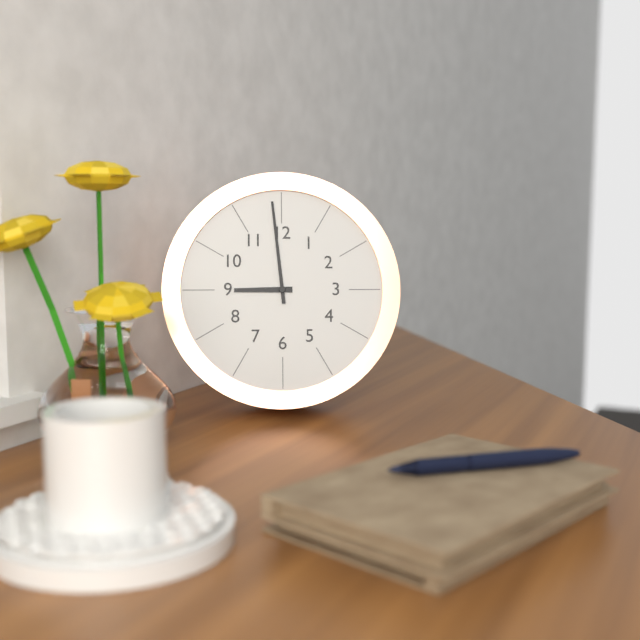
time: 8:59
